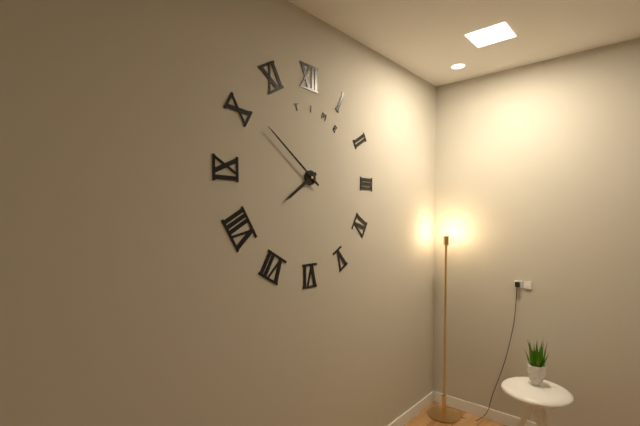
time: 7:51
